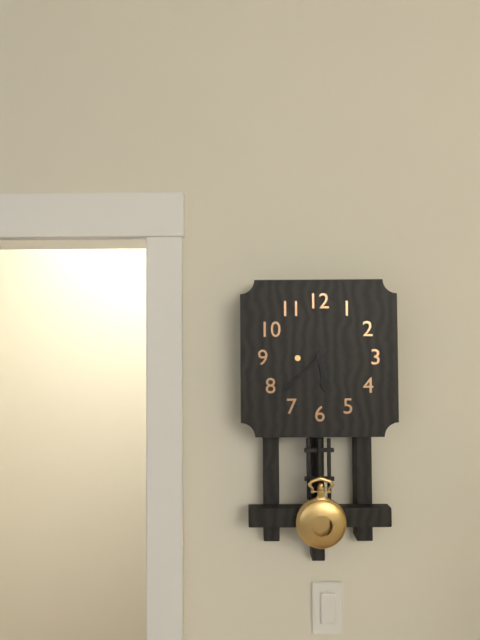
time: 5:38
